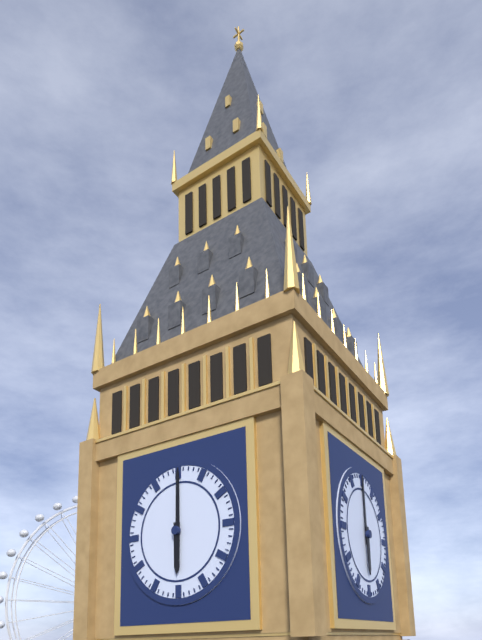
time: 6:00
